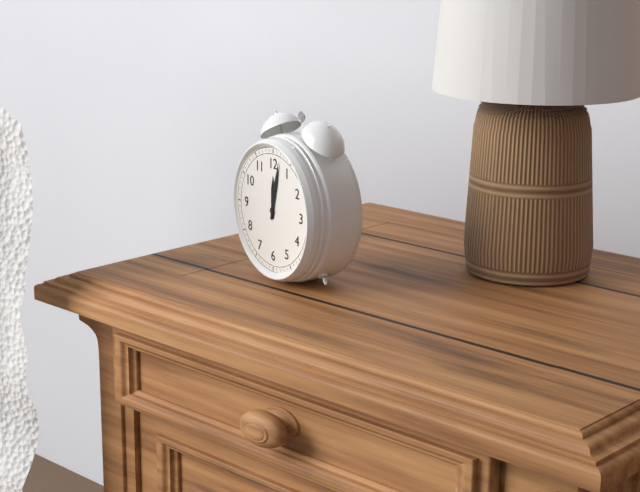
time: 12:02
